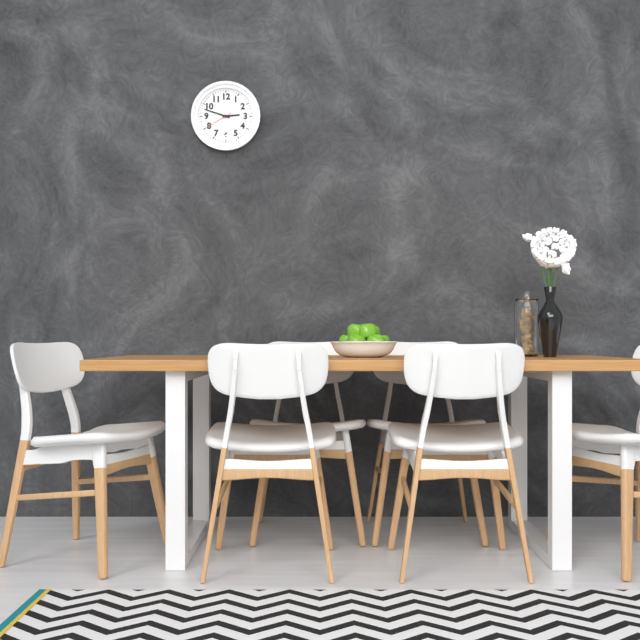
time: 2:48
